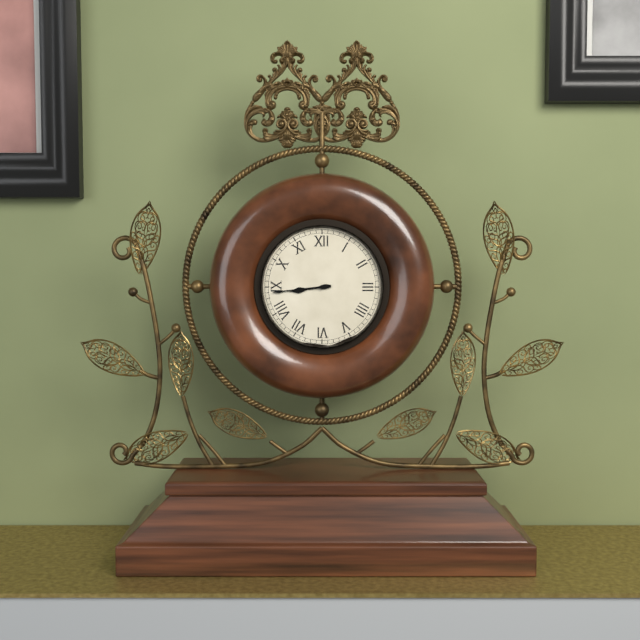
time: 8:44
